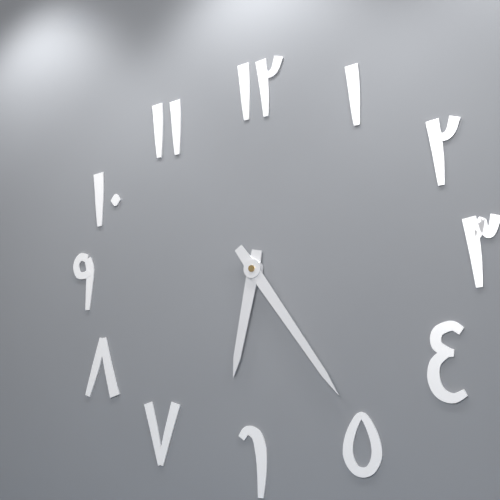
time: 6:24
